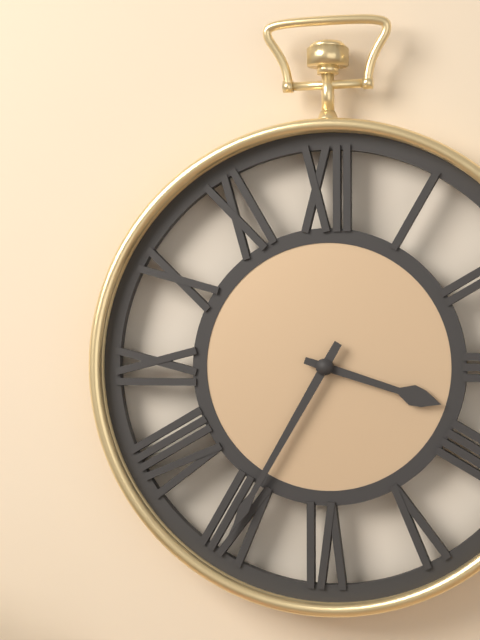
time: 3:35
